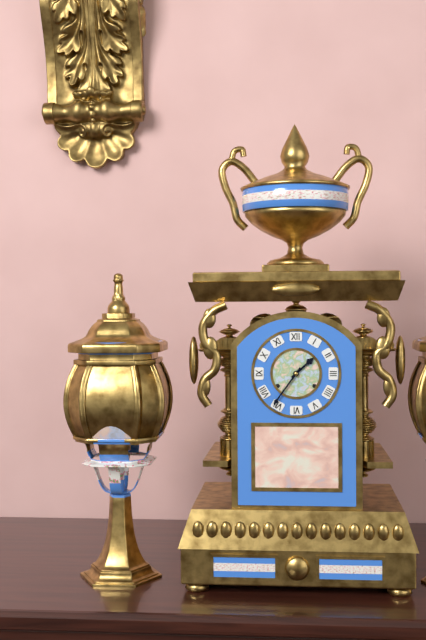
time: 1:36
